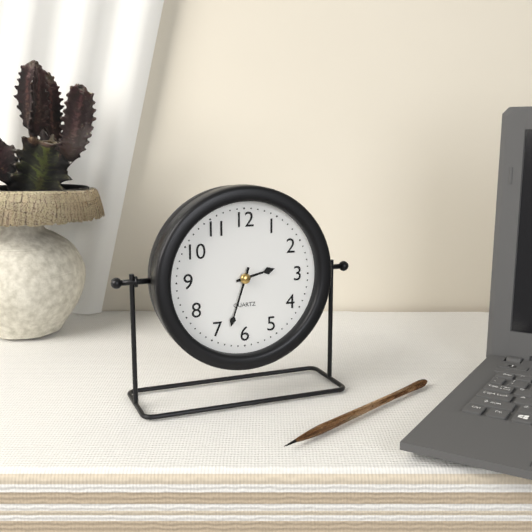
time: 2:33
